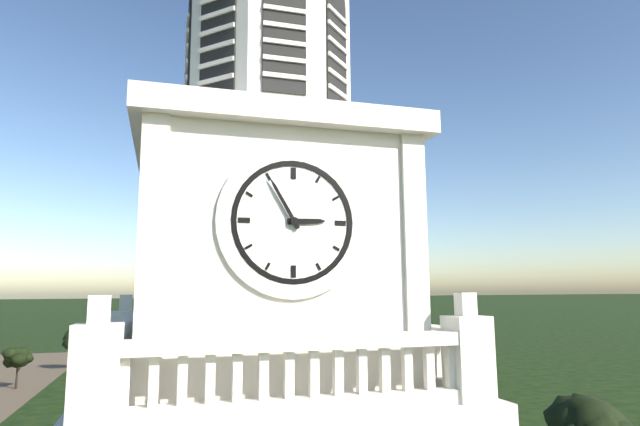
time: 2:55
